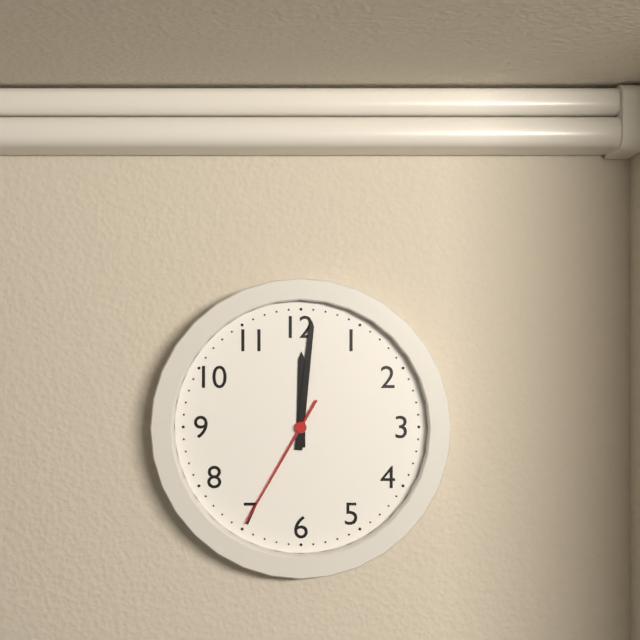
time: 12:01:35
